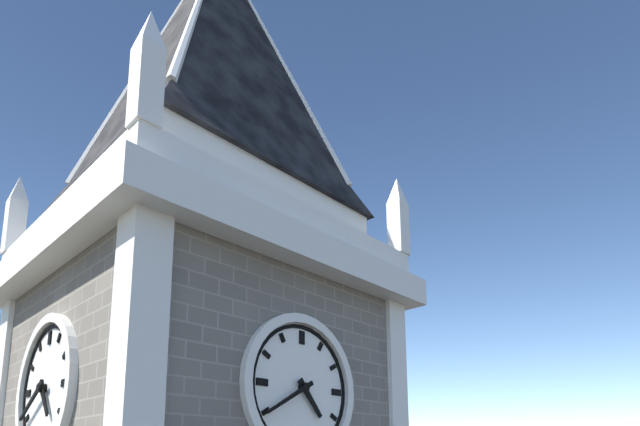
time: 4:40
